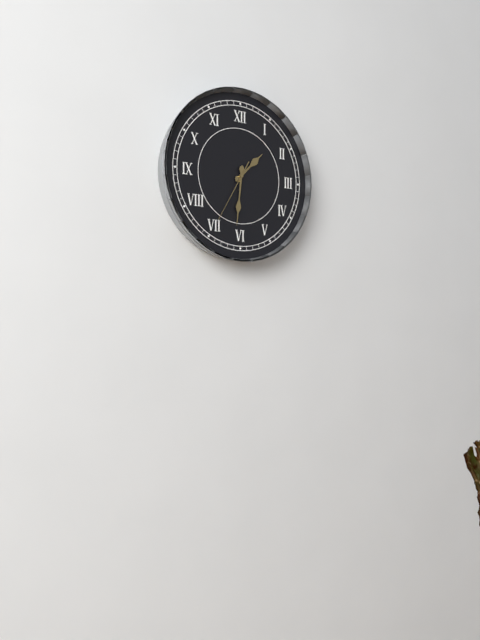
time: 1:31:35
